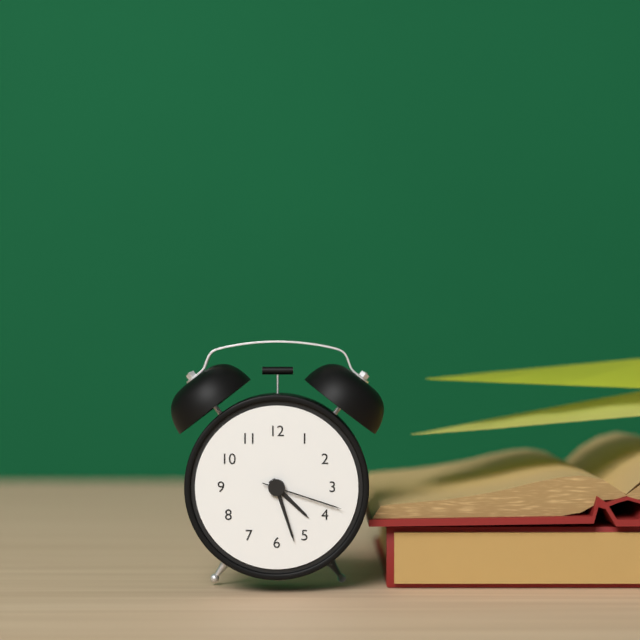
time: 4:27:18
